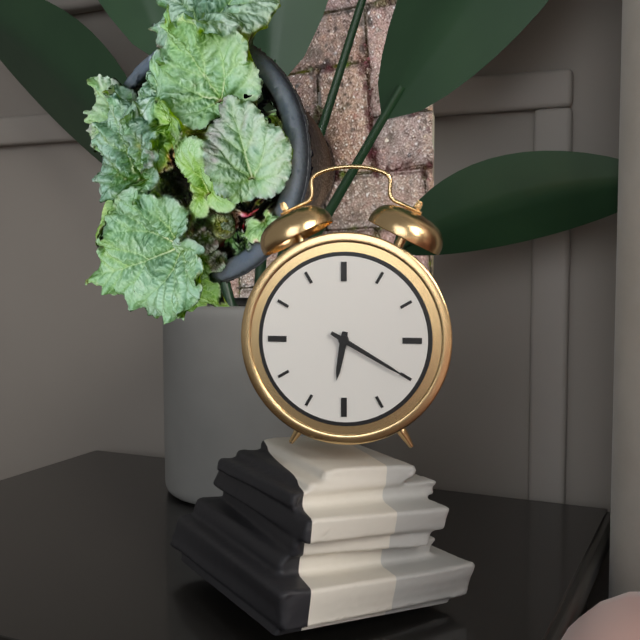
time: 6:20
